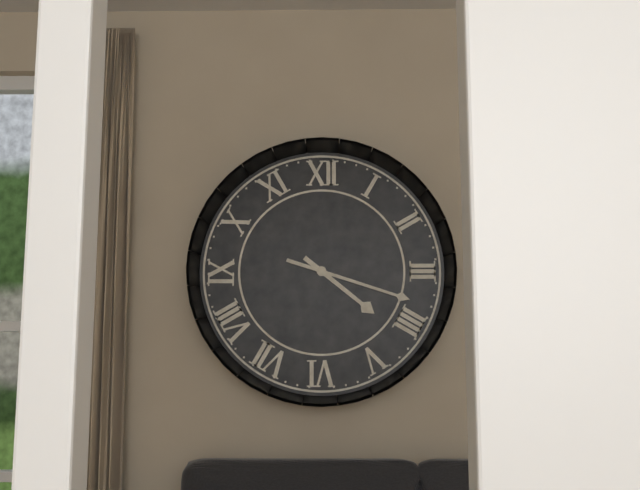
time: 4:18
